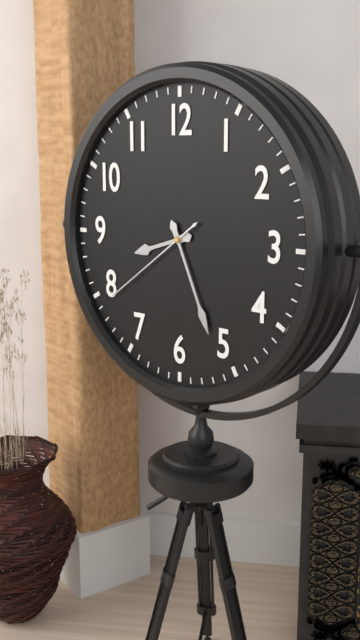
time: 8:26:39
